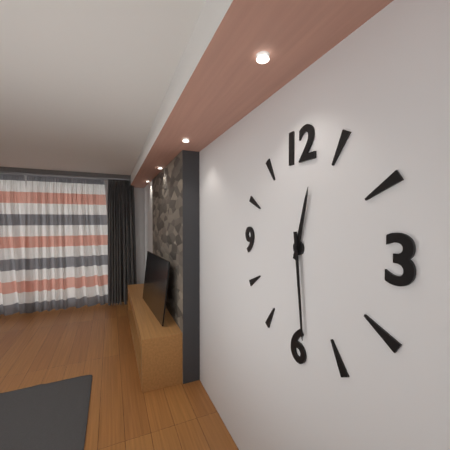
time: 12:29
